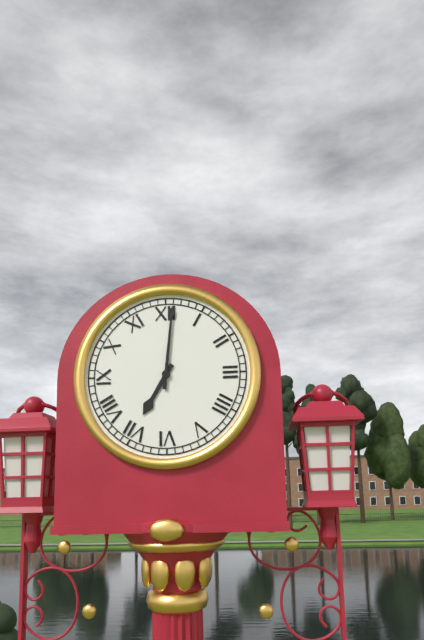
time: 7:01
